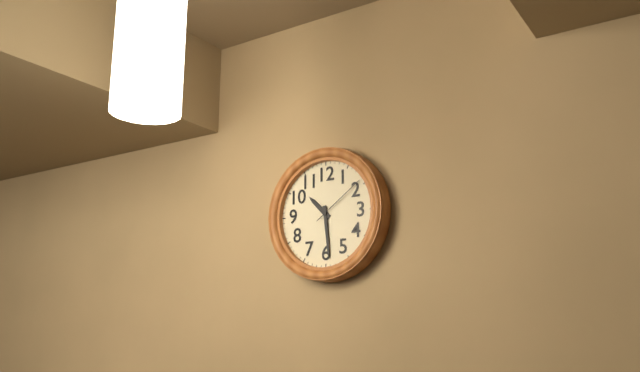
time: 10:29:09
